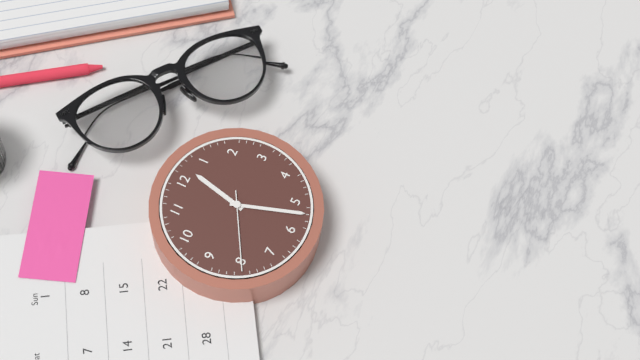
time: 12:27:40
